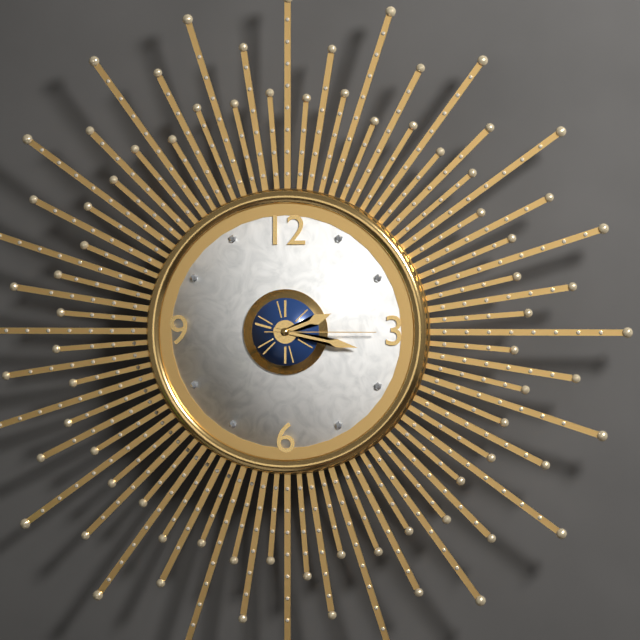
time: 2:17:15
